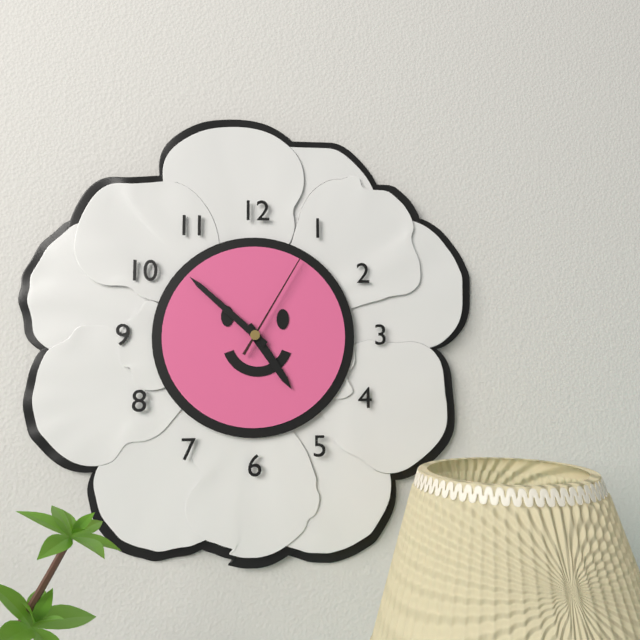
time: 4:52:05
